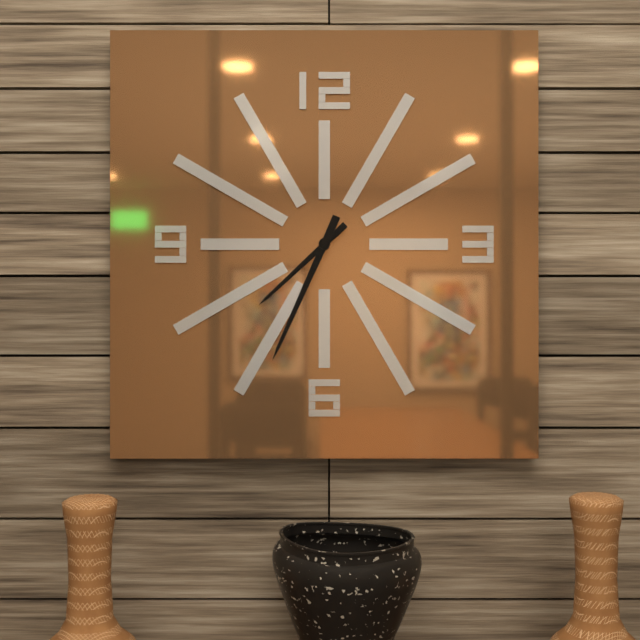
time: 7:34
